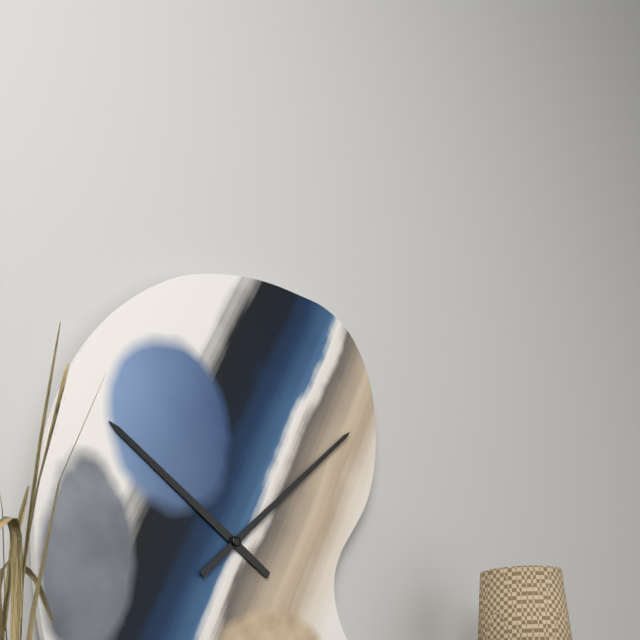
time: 10:08
